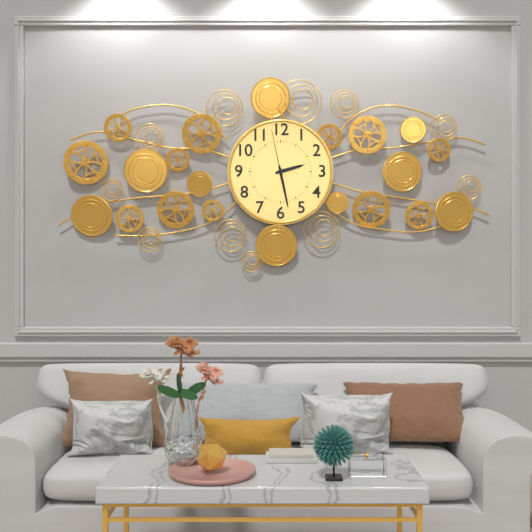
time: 2:28:58
